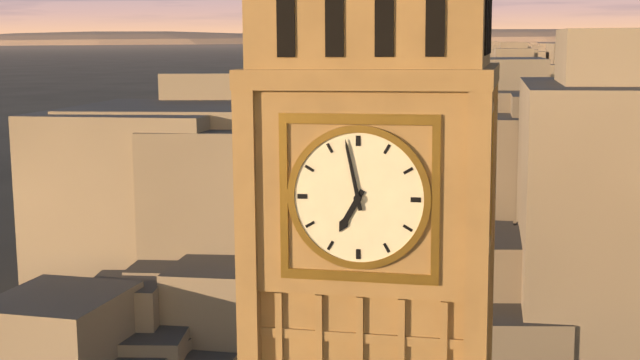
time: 6:58
